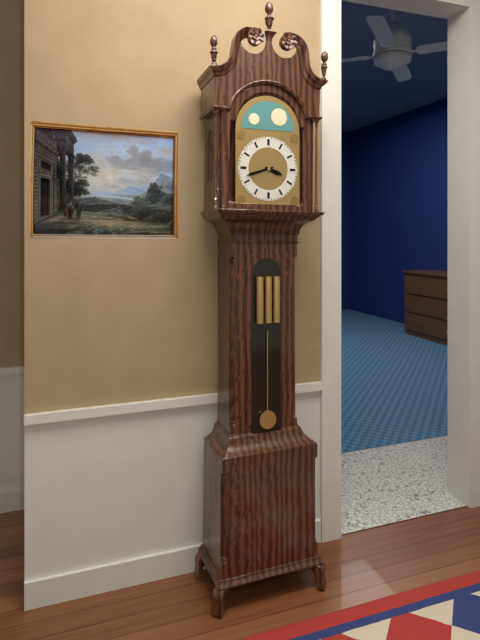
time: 3:42
